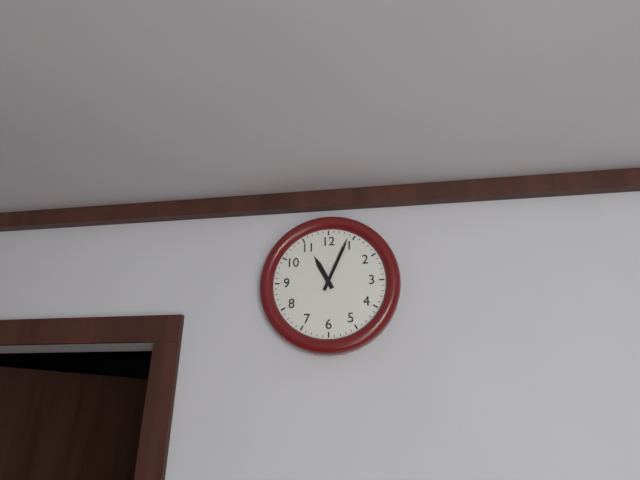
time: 11:04
